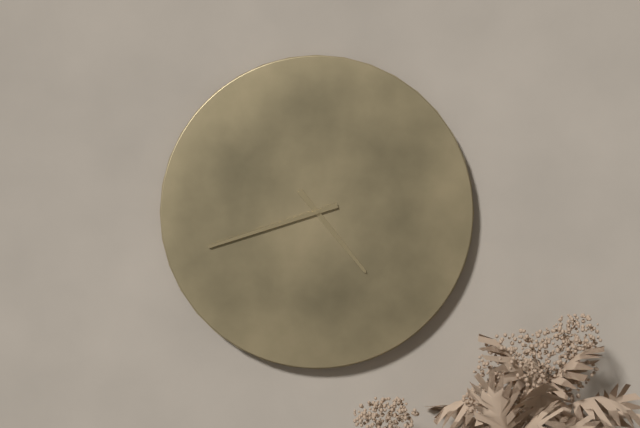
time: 4:42
